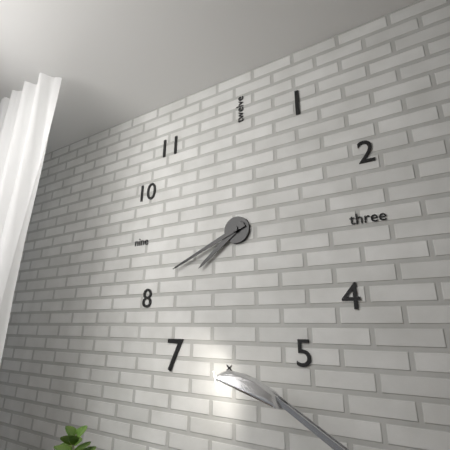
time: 7:41
